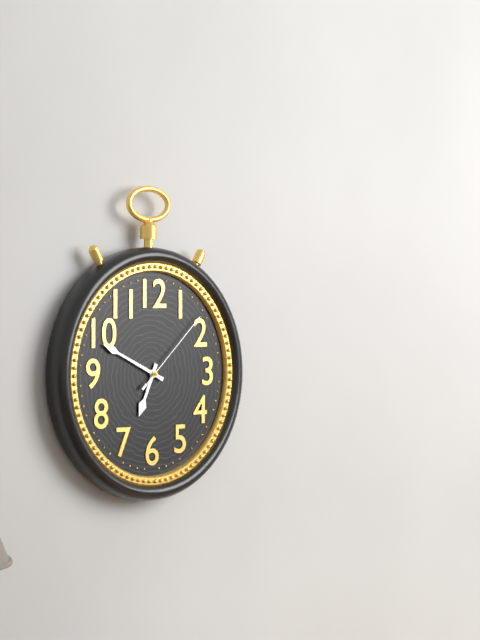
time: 6:49:08
